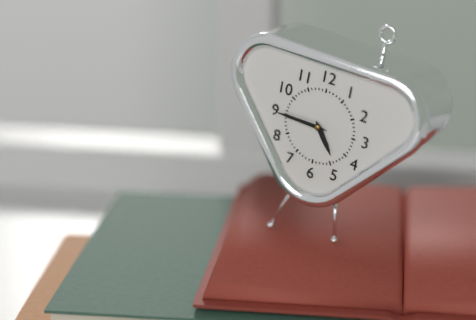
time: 4:45
